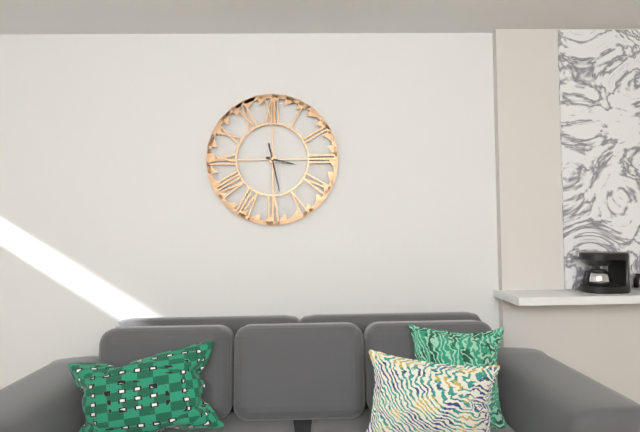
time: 3:28
